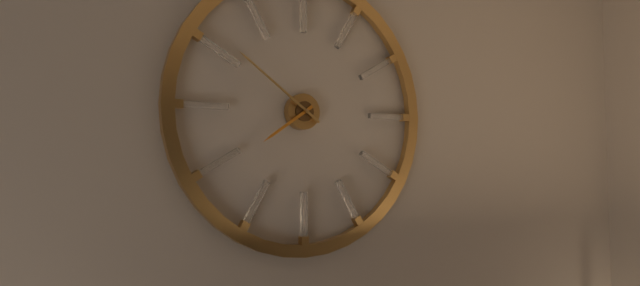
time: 7:51
